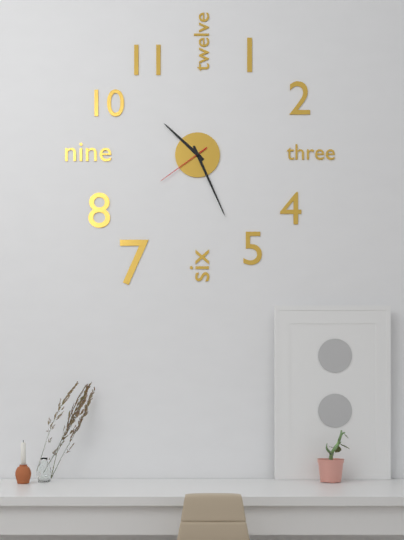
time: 10:26:39
